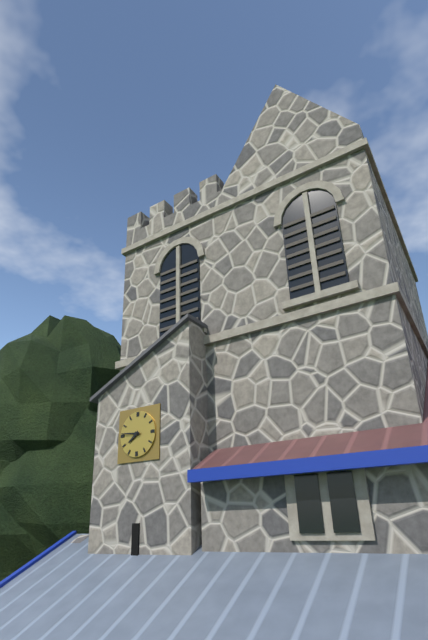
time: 7:46
